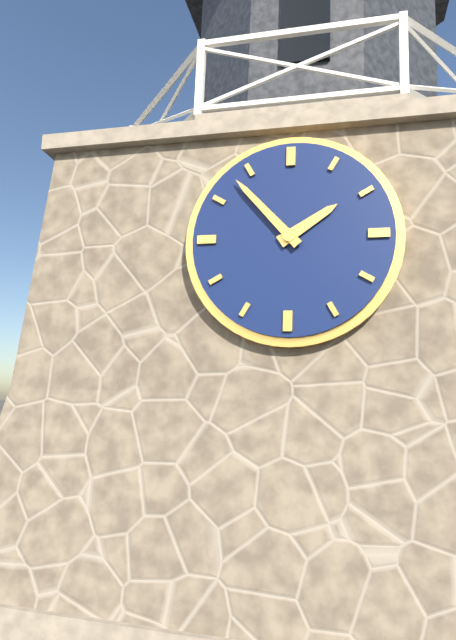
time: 1:53
